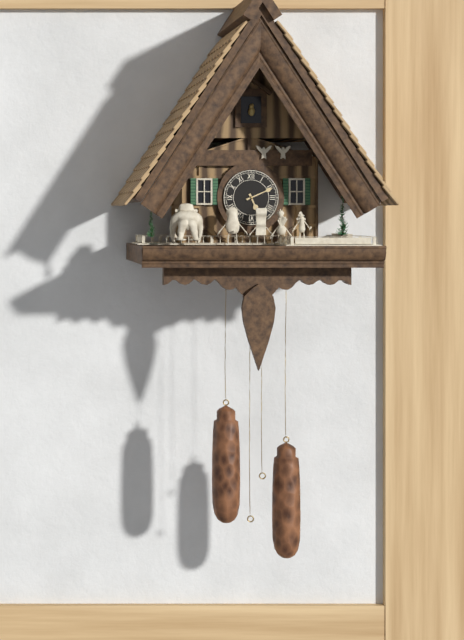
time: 5:11
